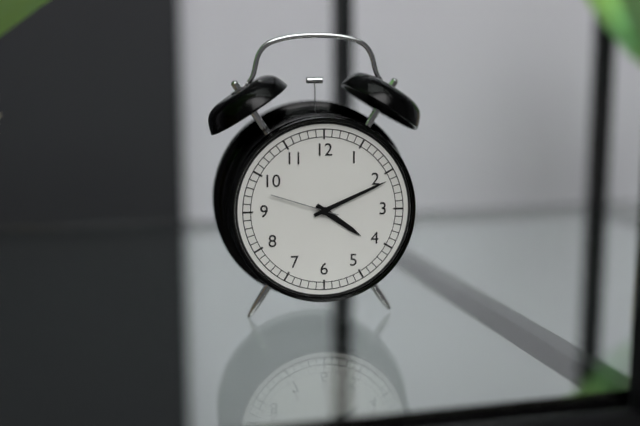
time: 4:11:48
